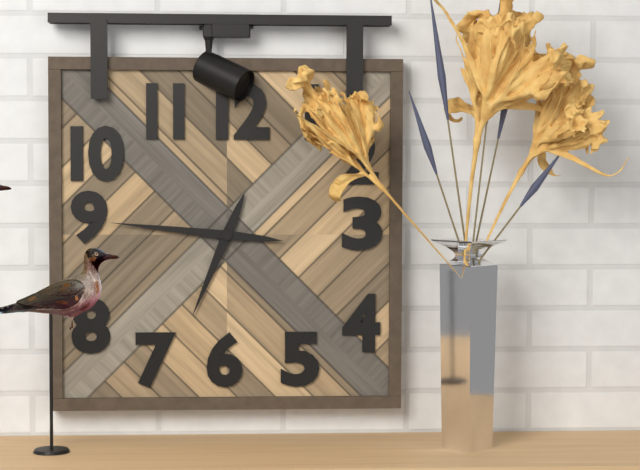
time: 6:46
